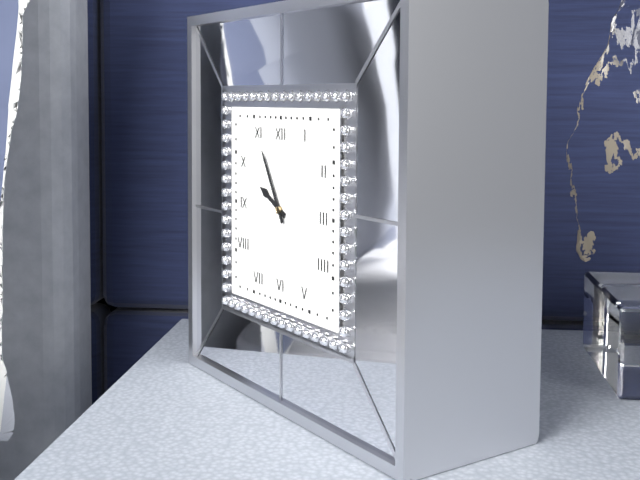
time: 9:55
